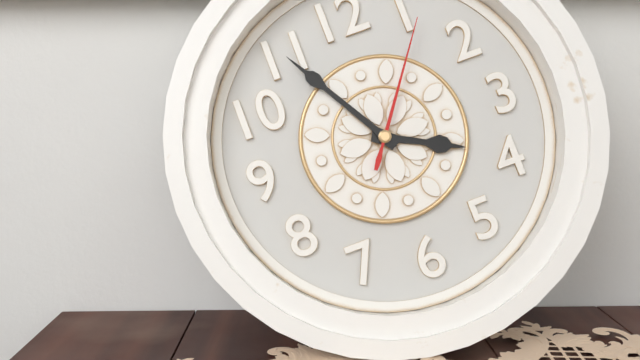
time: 3:55:06
